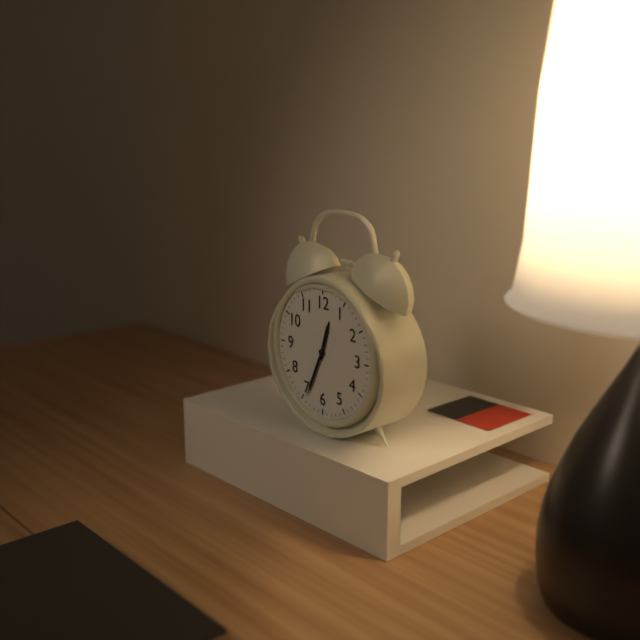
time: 12:34
